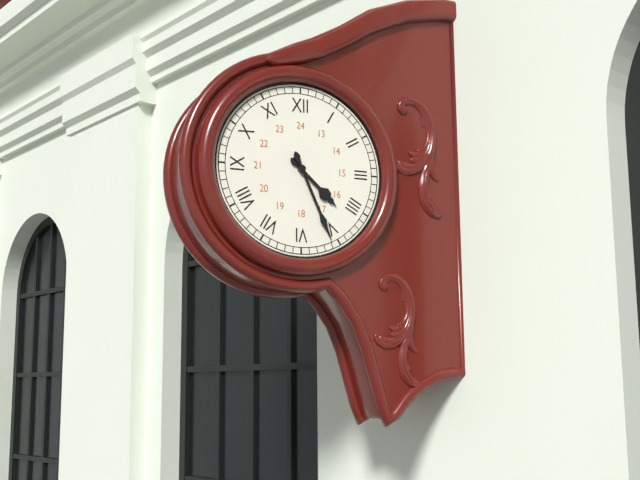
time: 4:26
